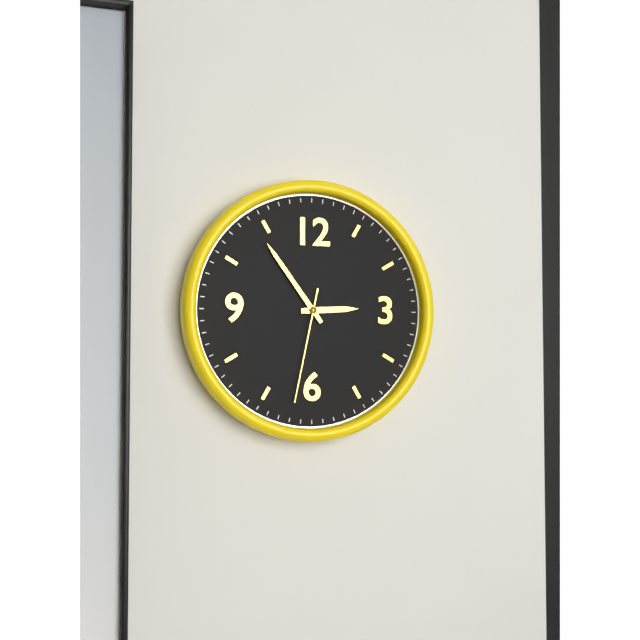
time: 2:54:32
